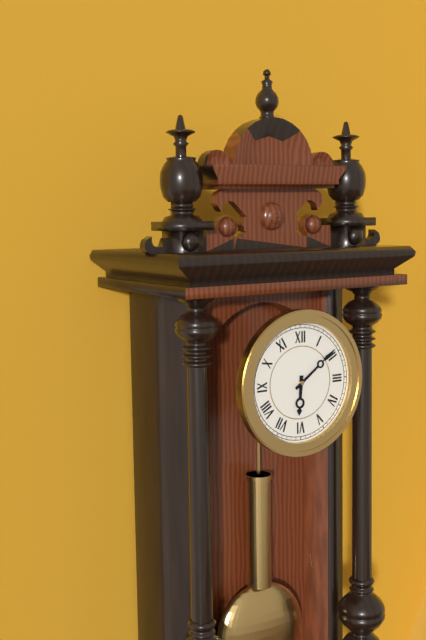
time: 6:09
